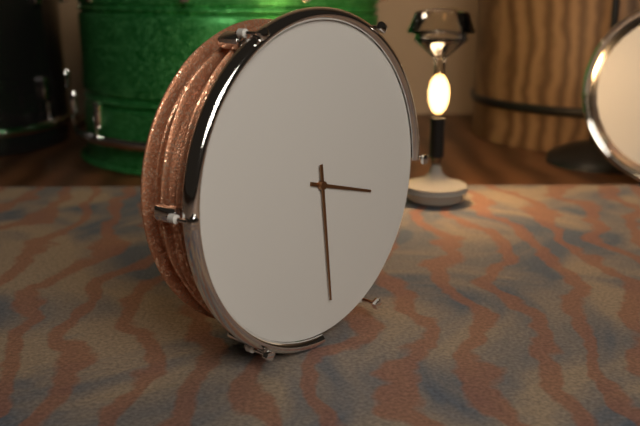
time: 3:29
